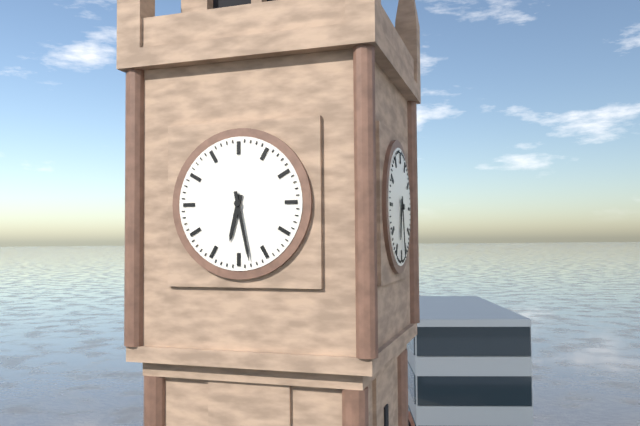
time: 6:28
